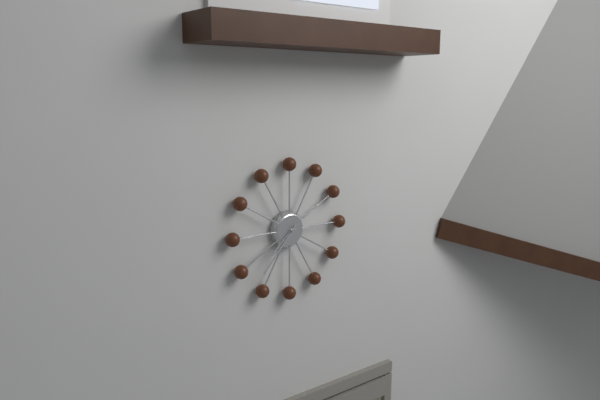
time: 7:37
